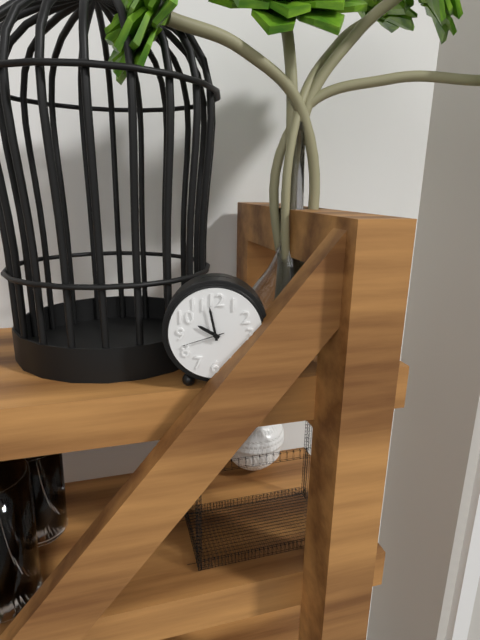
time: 9:58
